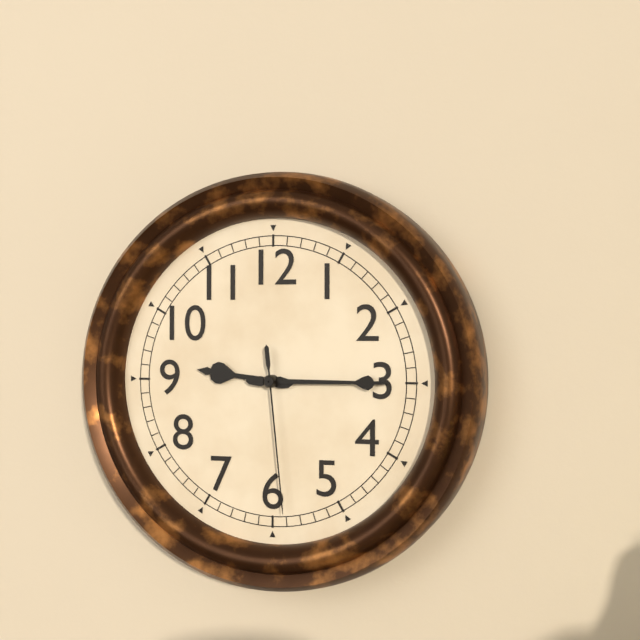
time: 9:15:29
